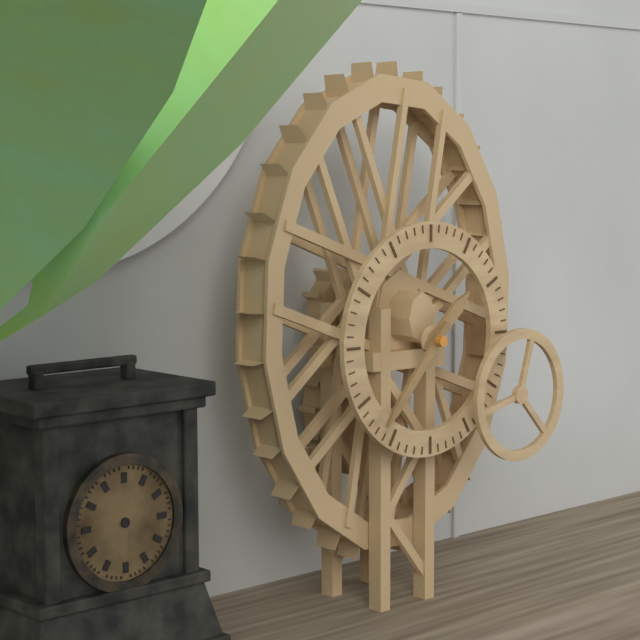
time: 1:37
